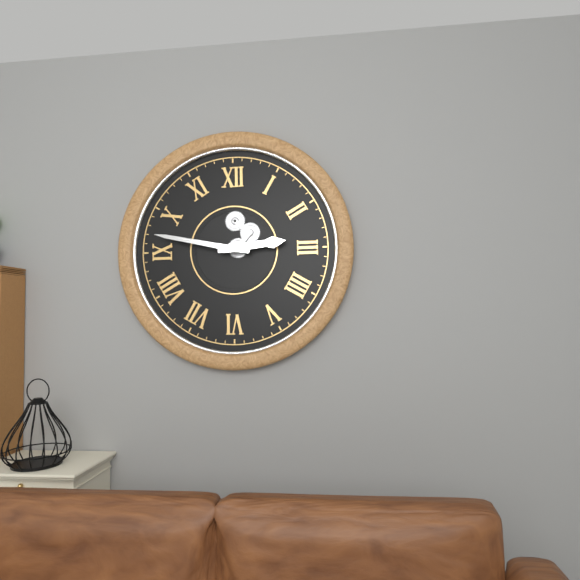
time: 2:47
